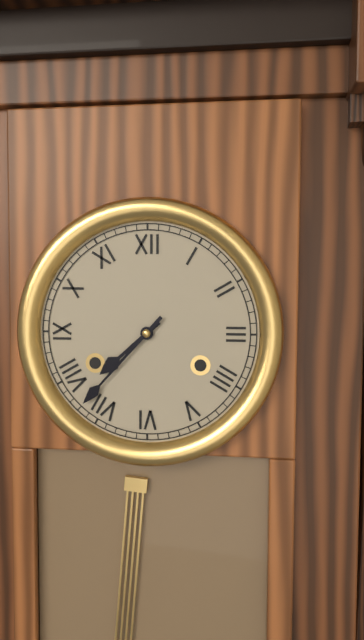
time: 7:37
